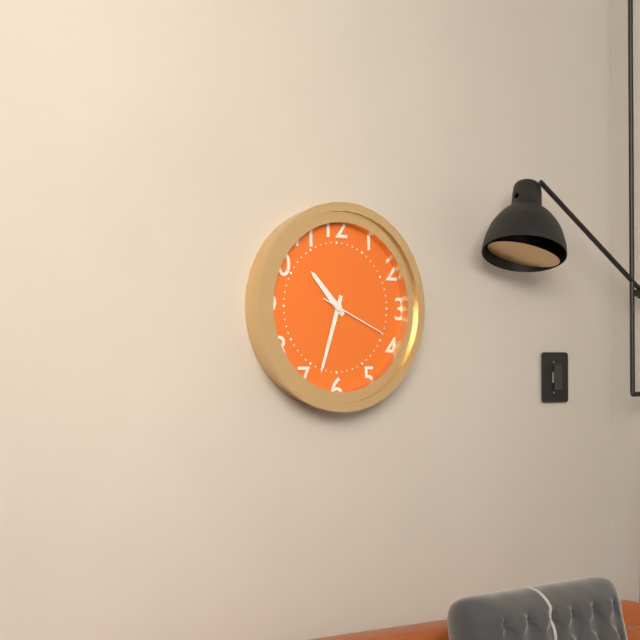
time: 10:33:19
